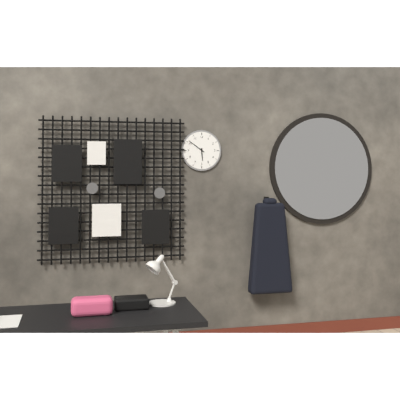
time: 5:51
